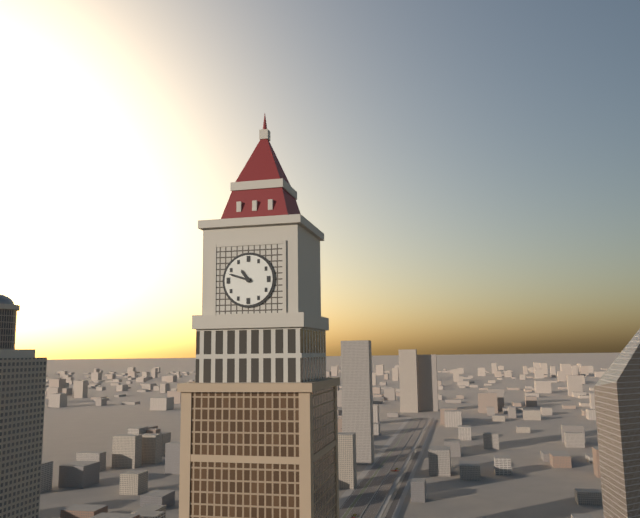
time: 10:48
